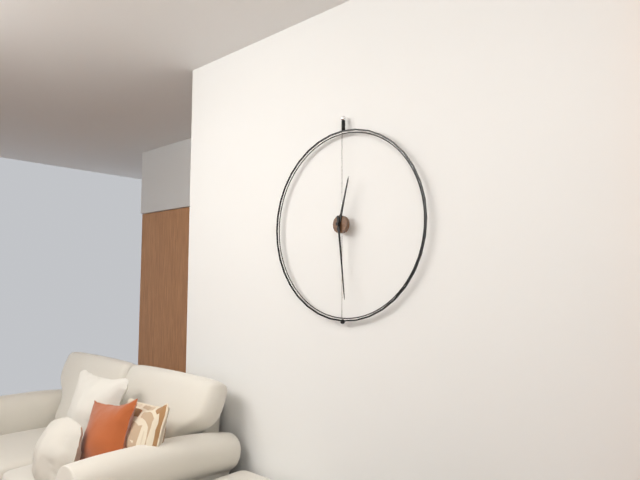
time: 12:29
